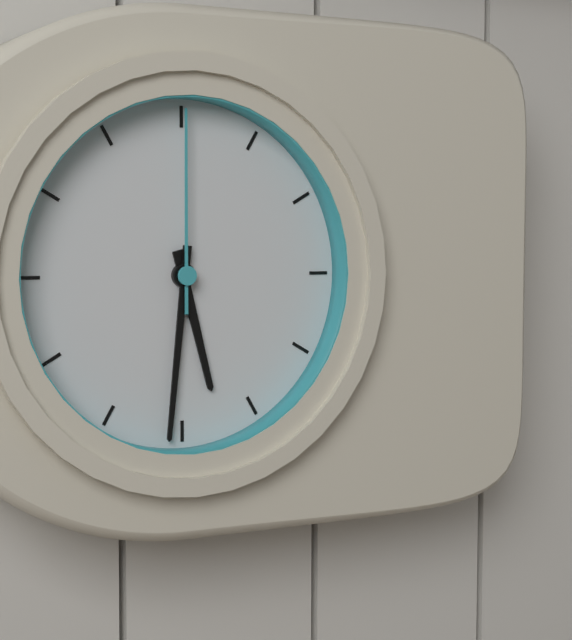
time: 5:31:00
